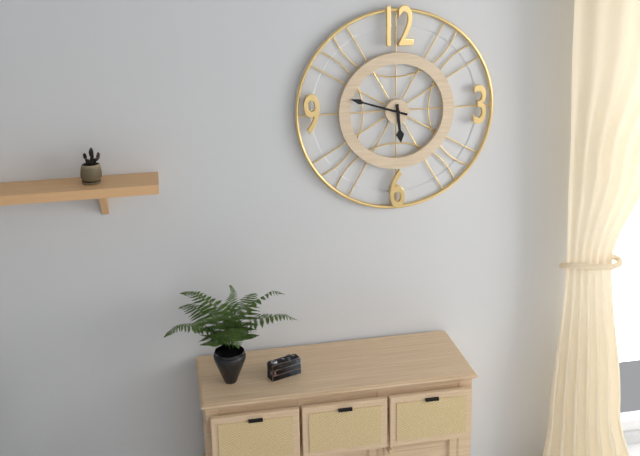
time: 5:48
